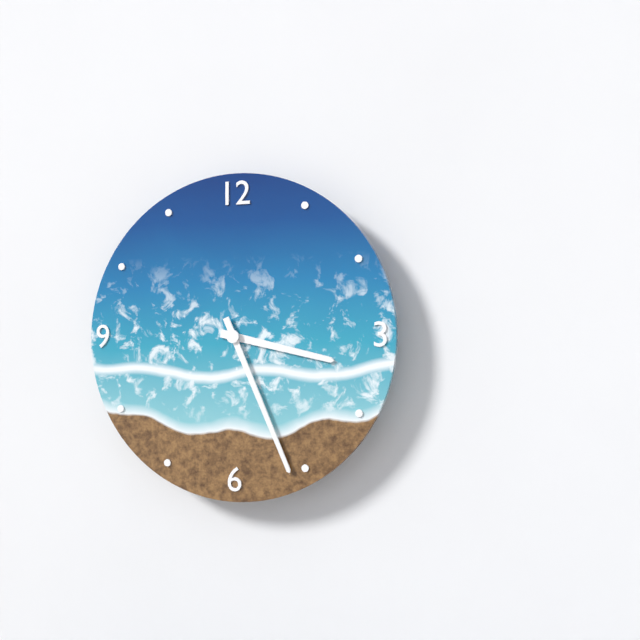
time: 3:26
